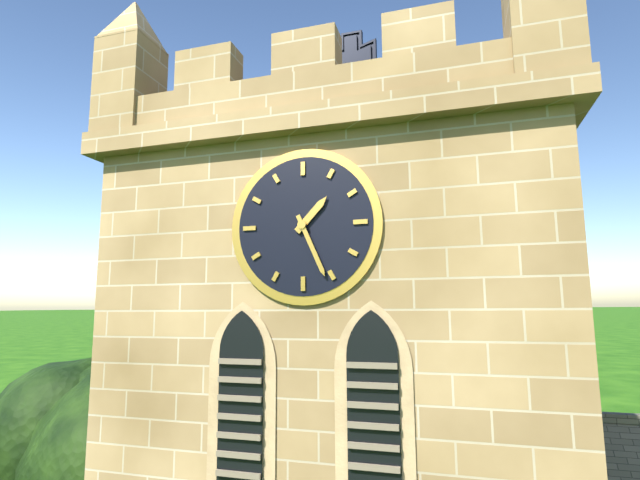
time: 1:26
